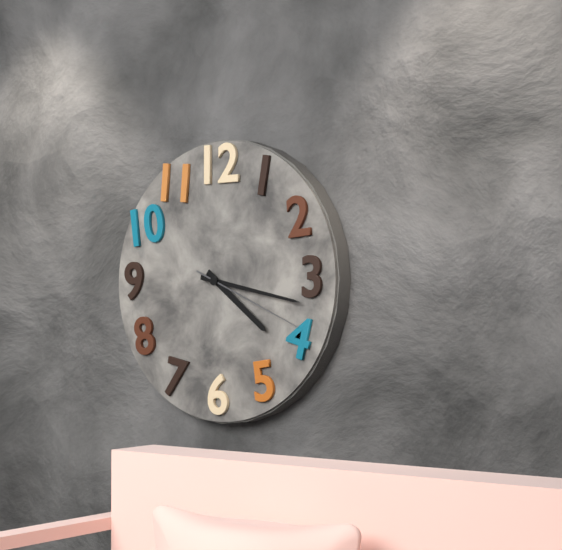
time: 4:17:19
